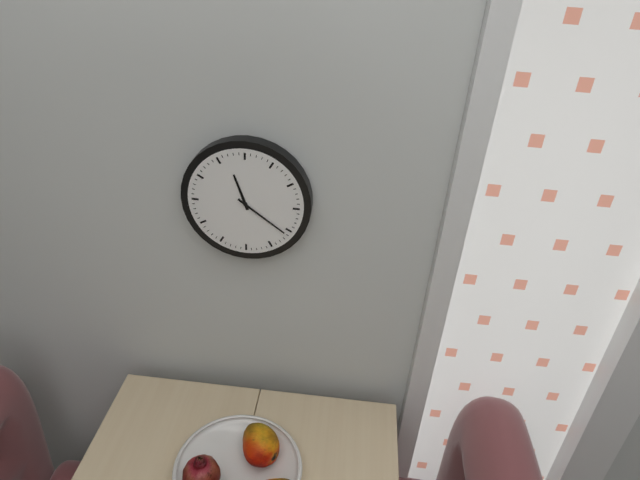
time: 11:21
